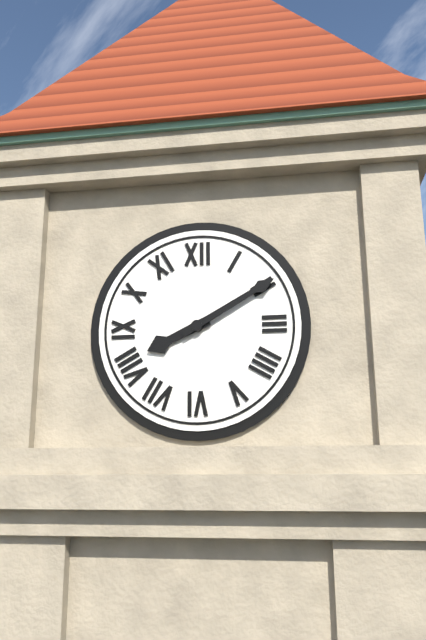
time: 8:10
